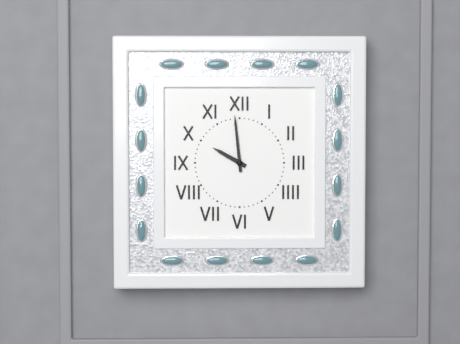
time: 9:59
